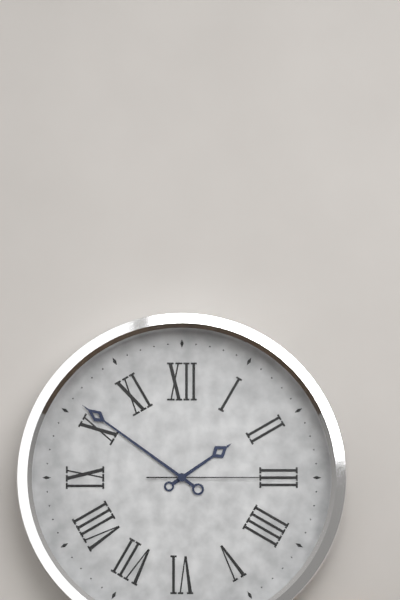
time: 1:51:15
